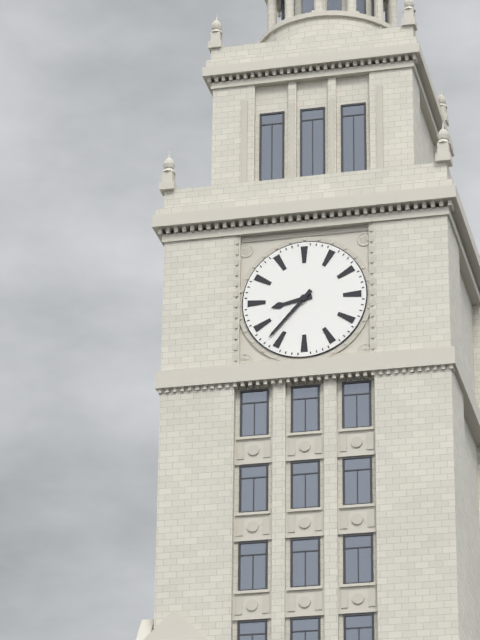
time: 8:37
